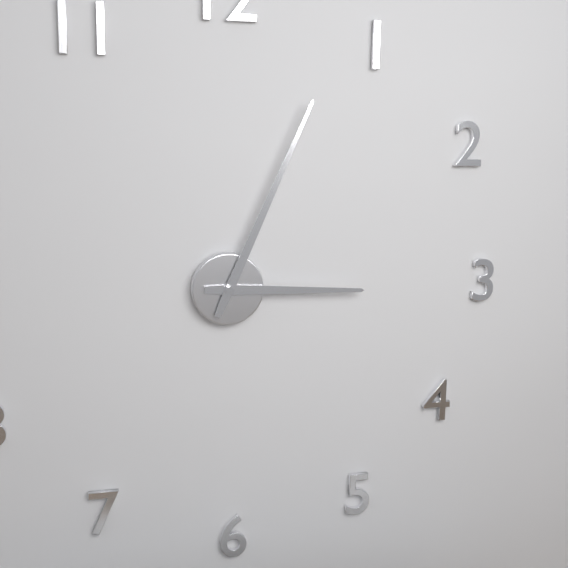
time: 3:04
